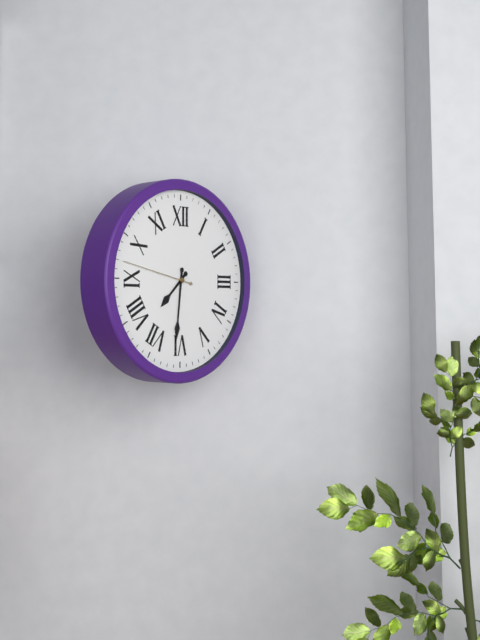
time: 7:31:47
